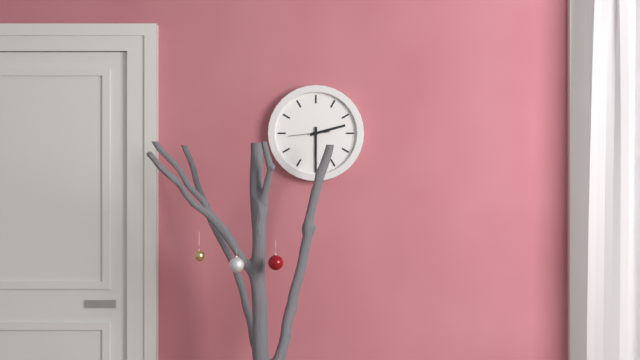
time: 2:30
